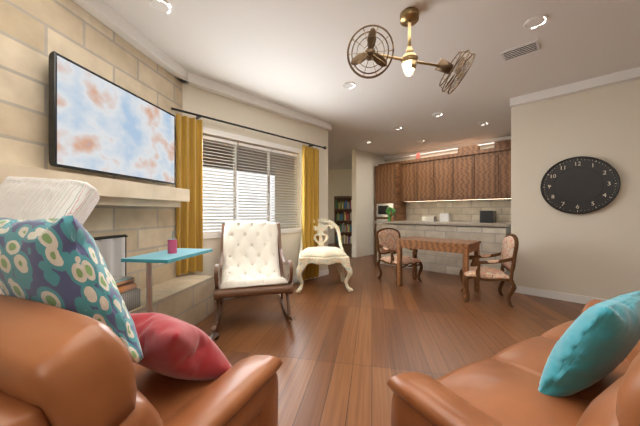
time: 10:36
